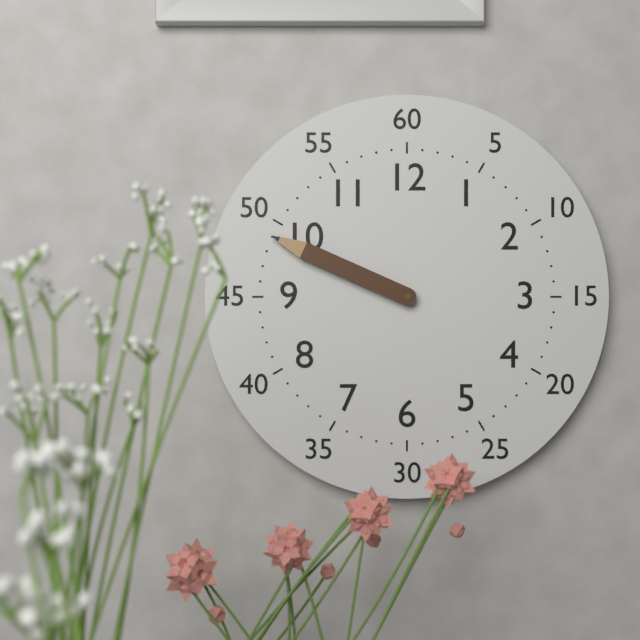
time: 9:49
